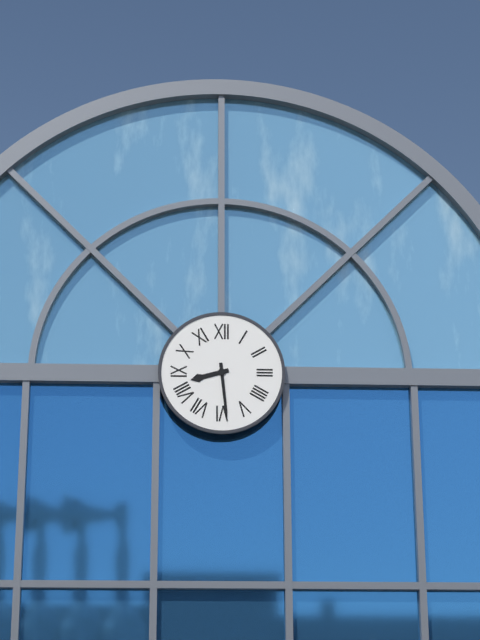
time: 8:29
